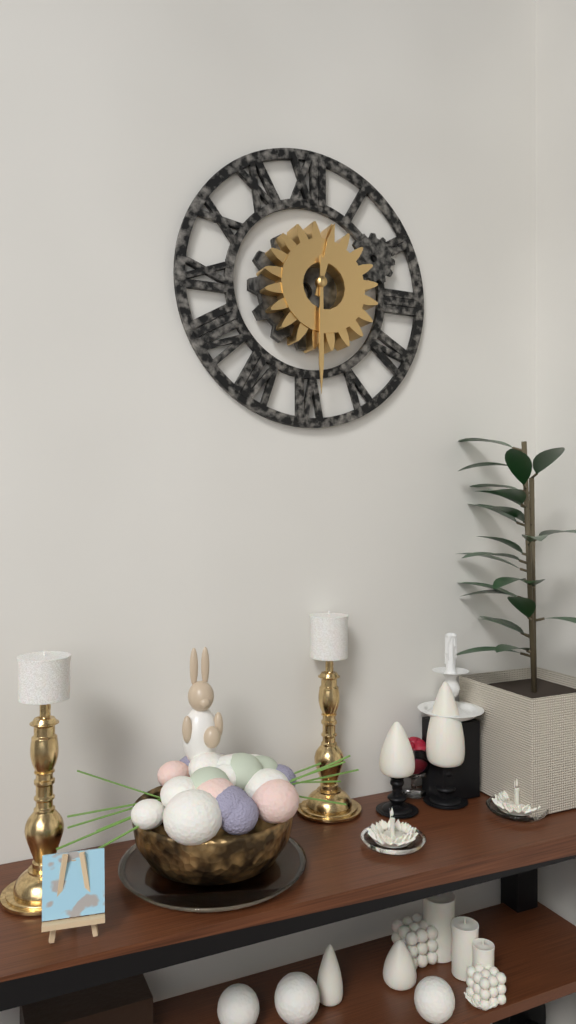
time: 12:30
